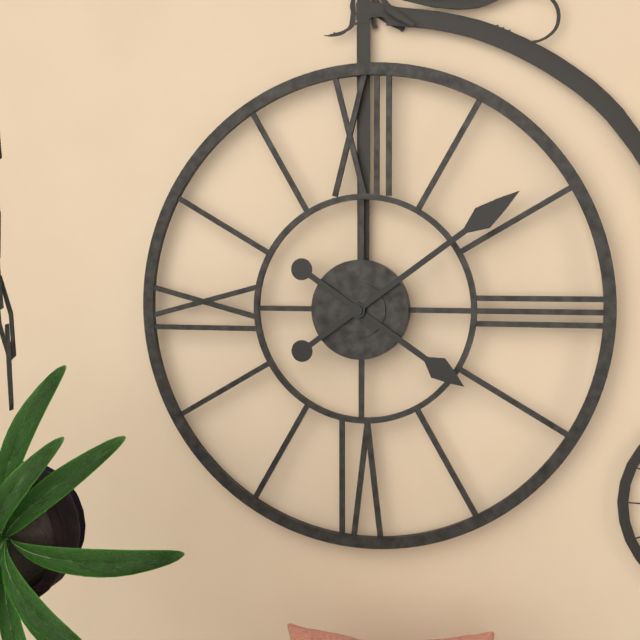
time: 4:09
